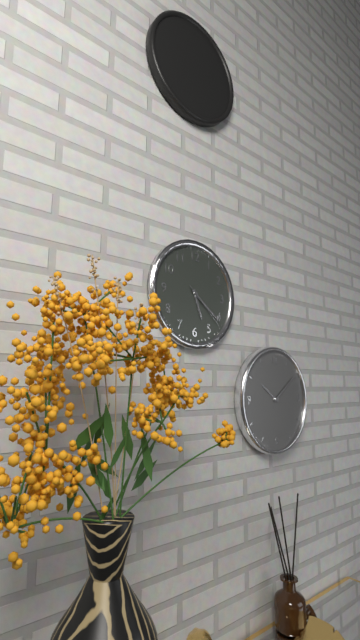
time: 5:21:22
